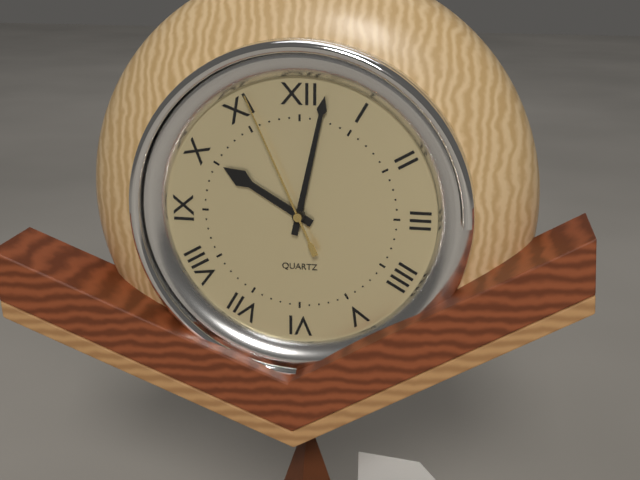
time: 10:02:56
